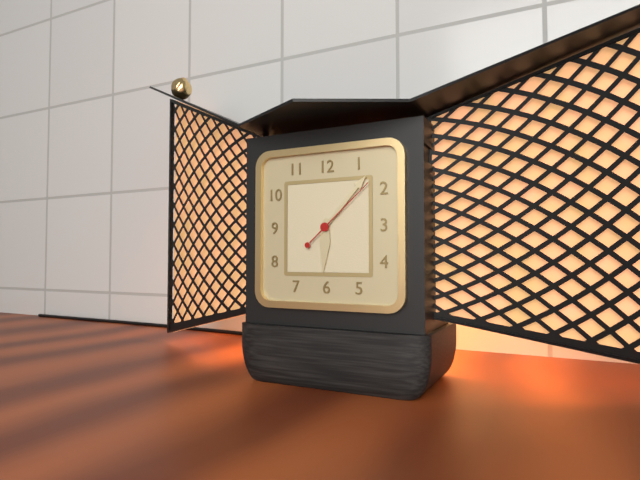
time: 6:07:08
